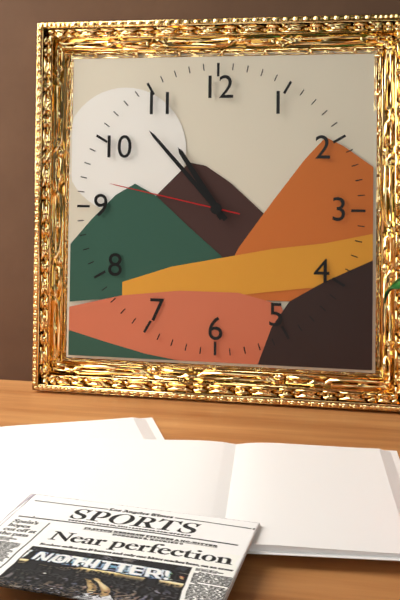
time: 10:53:47
